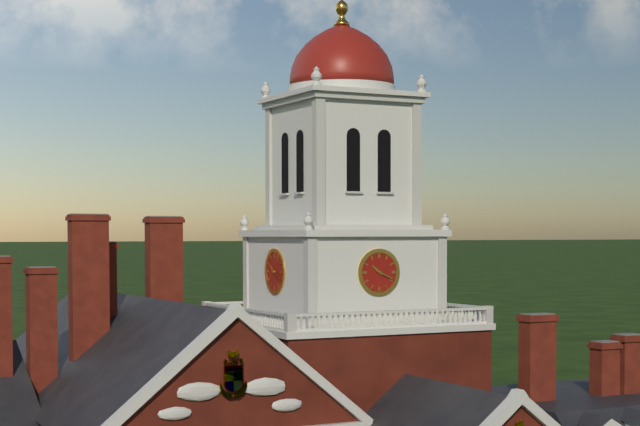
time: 10:19
